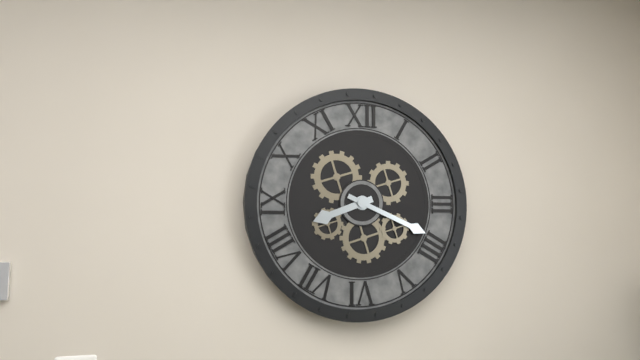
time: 8:19
